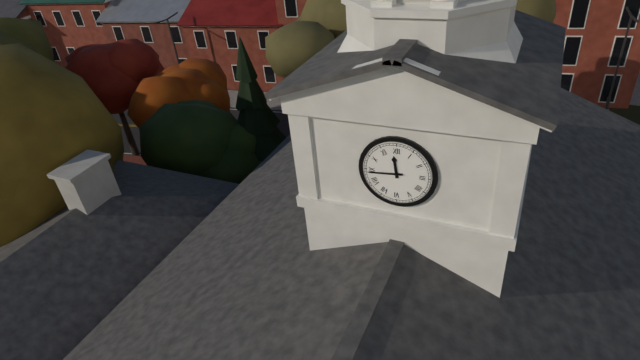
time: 11:44
